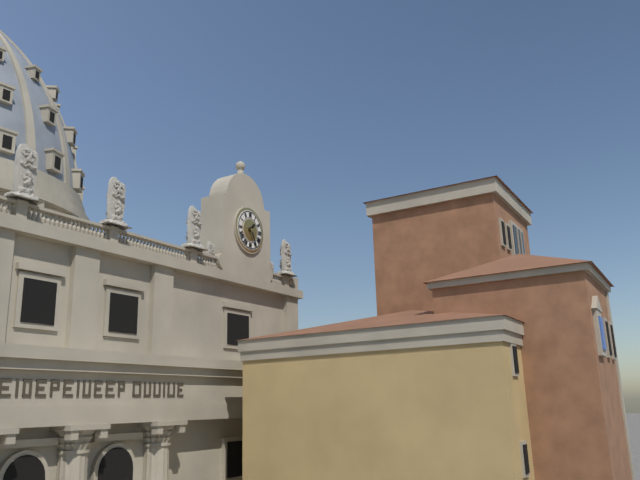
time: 1:25
